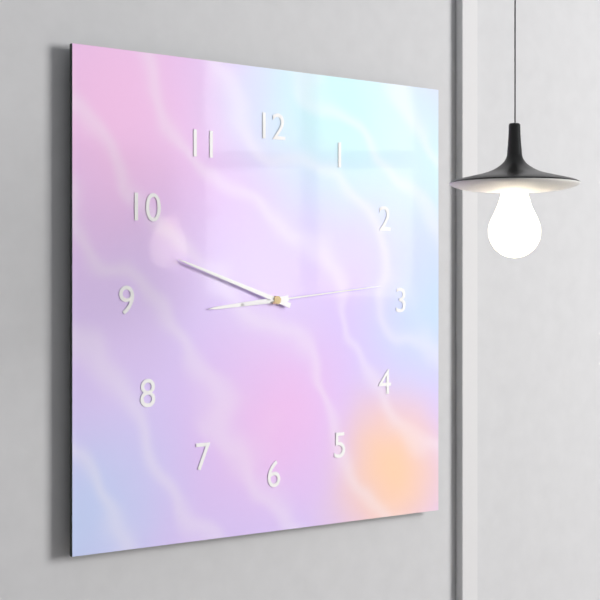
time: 8:48:14
